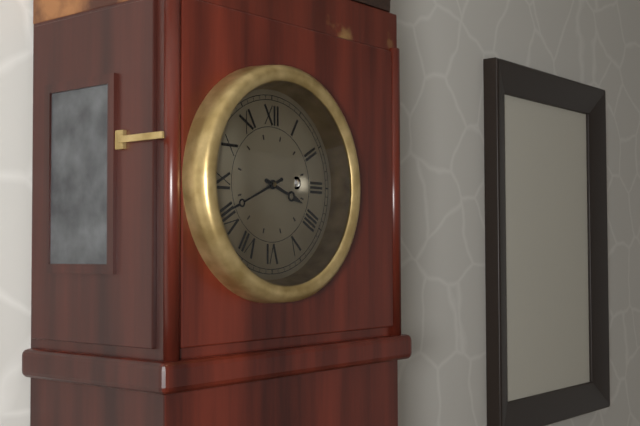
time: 3:41
